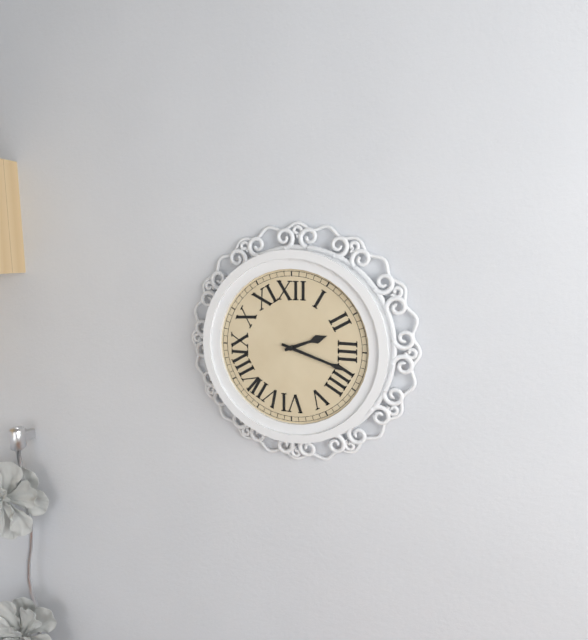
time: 2:18
